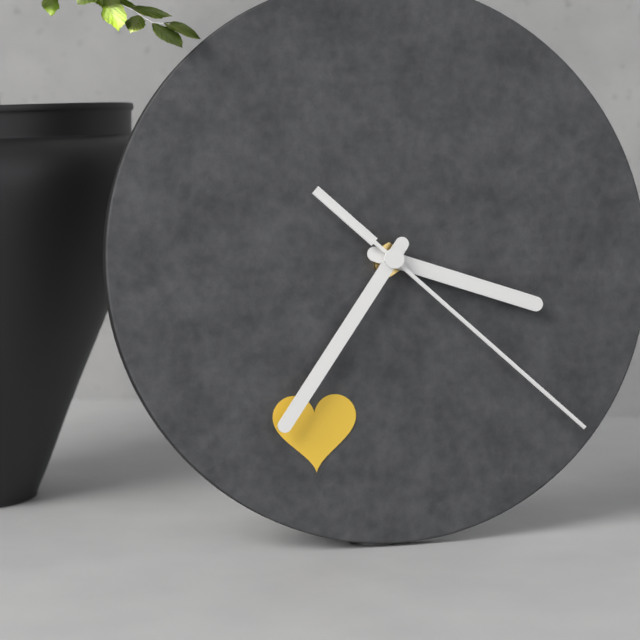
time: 3:36:22
